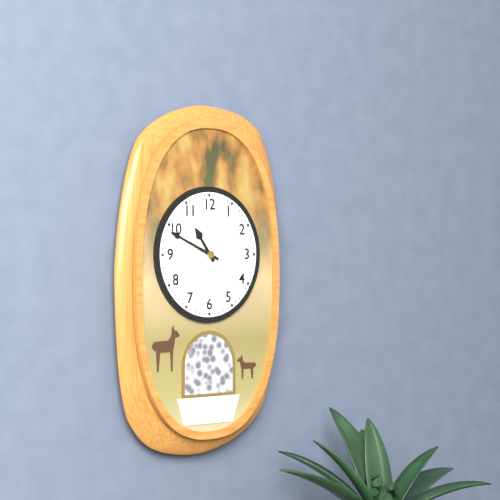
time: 10:49
